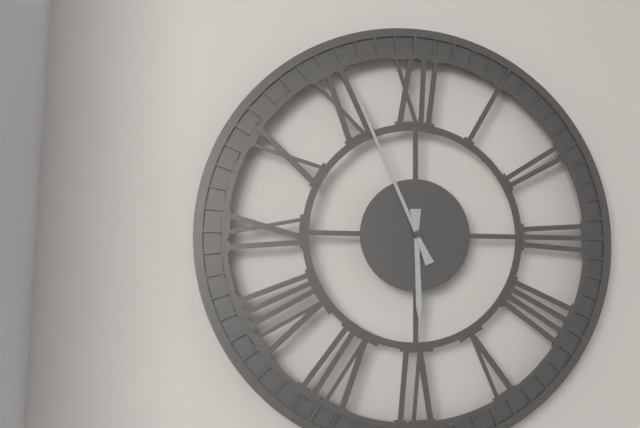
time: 5:56
